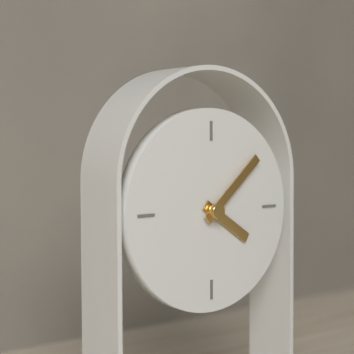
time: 4:08
